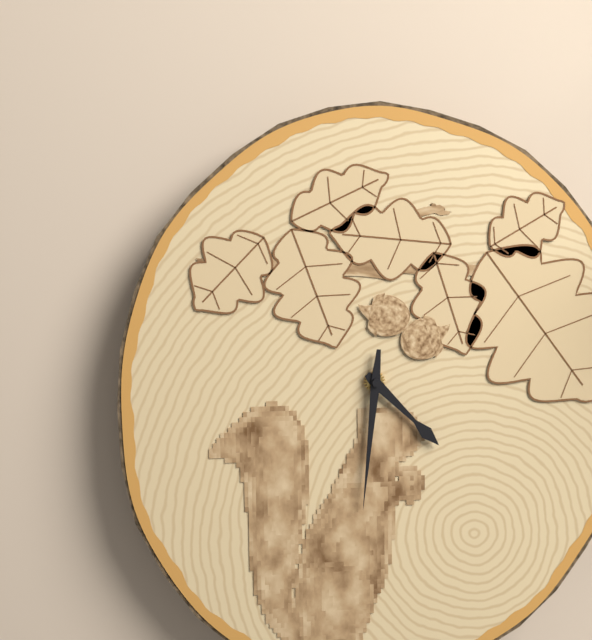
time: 4:31
